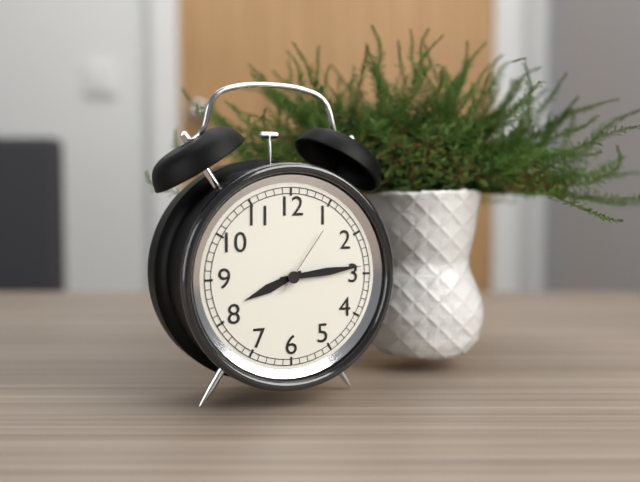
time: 8:14:06
